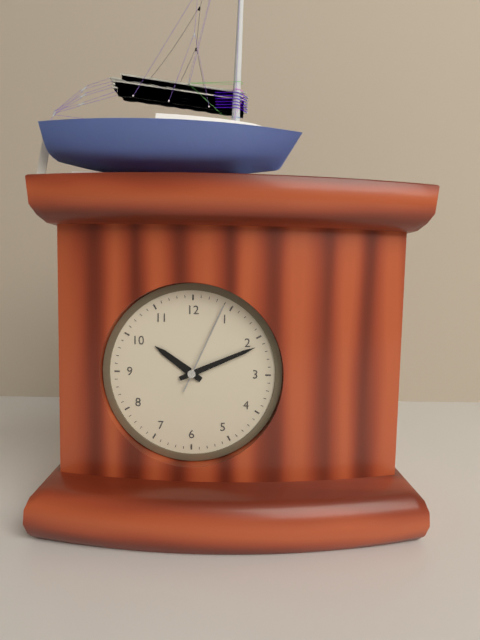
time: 10:11:04
